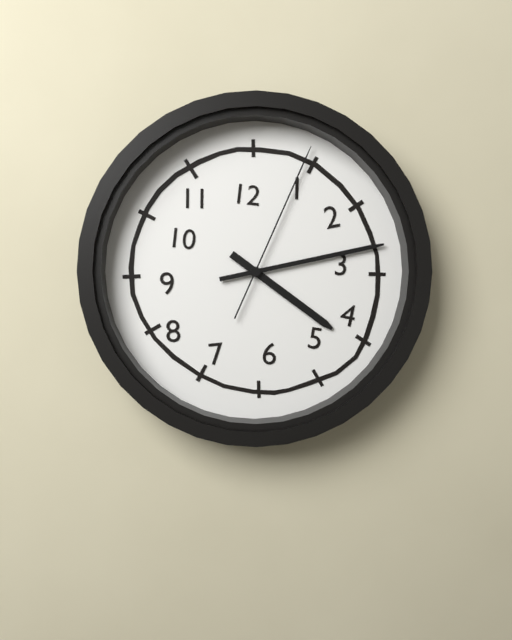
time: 4:13:04
